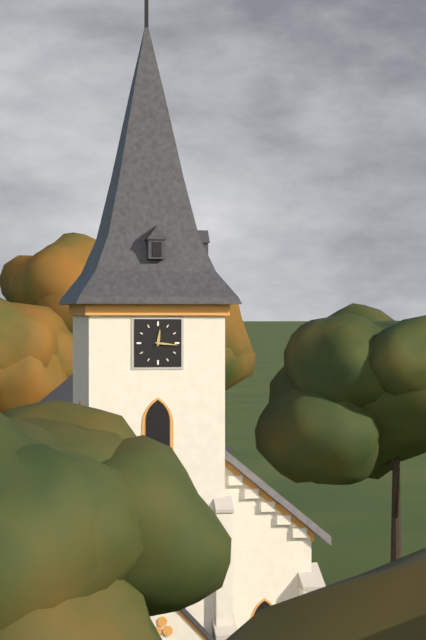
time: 12:16
